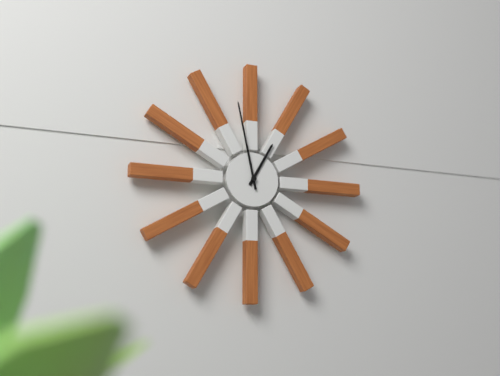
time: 12:58
